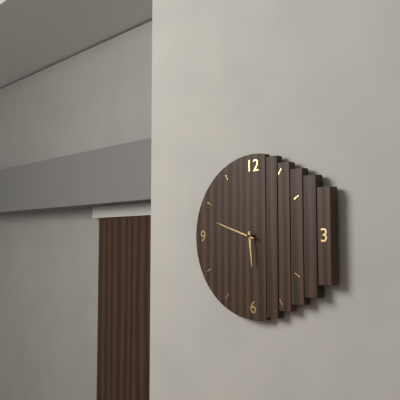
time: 5:48
